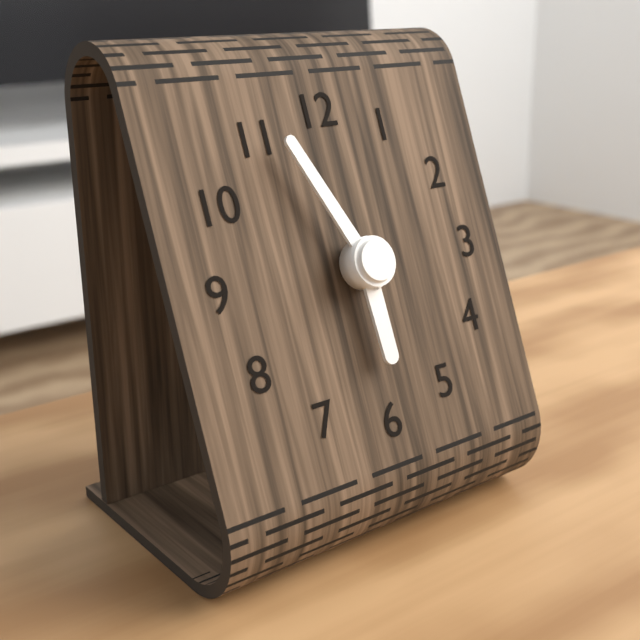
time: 5:56
